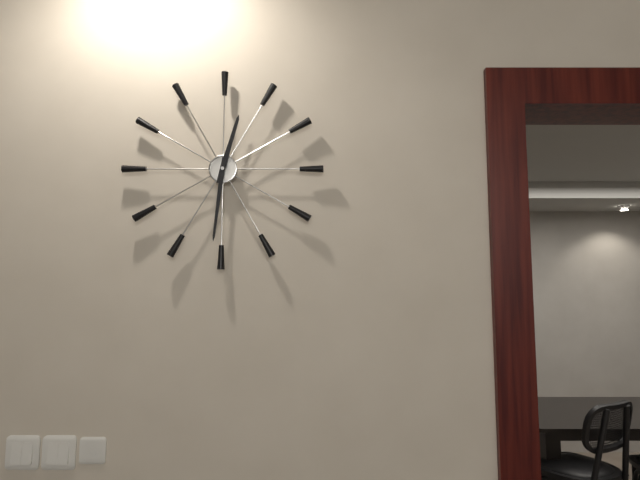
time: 12:31
